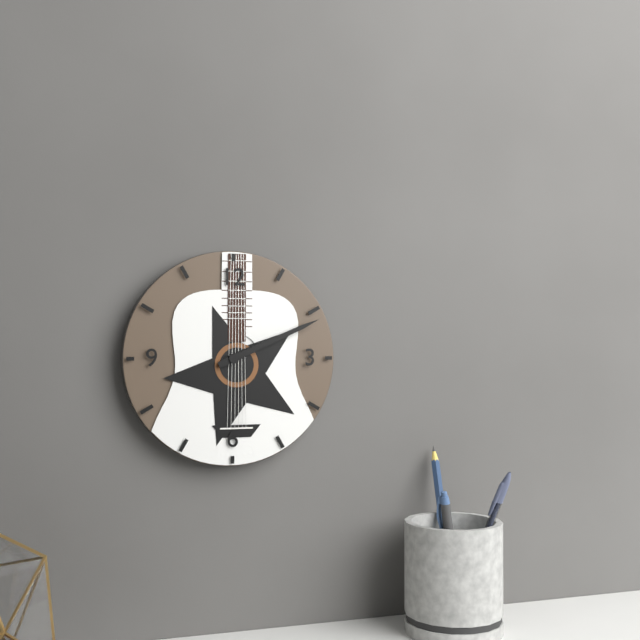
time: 2:11
